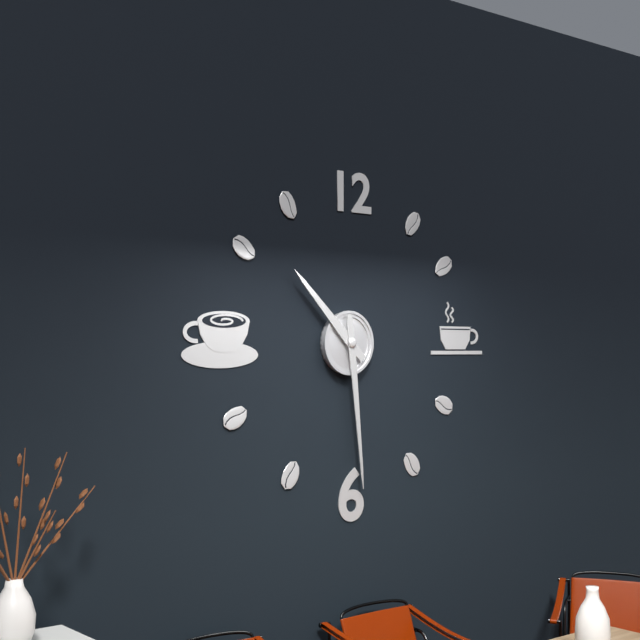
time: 10:29
